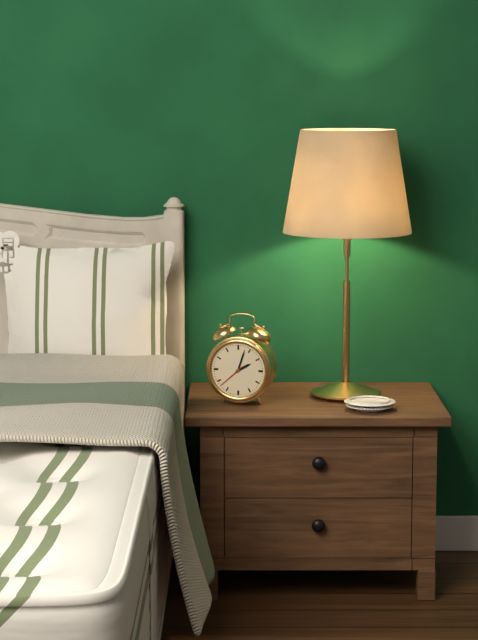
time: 2:03
